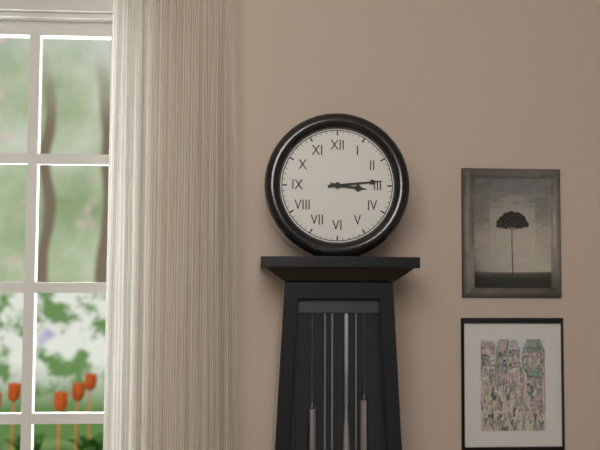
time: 3:14
